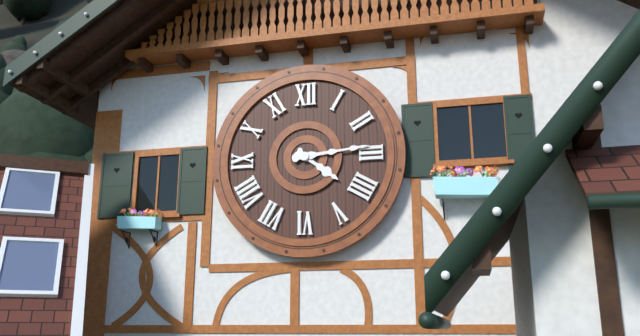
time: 4:14
